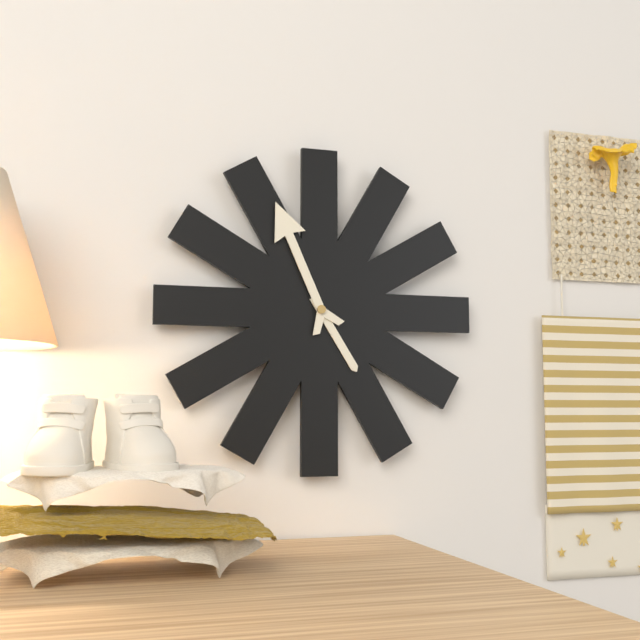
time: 4:56
